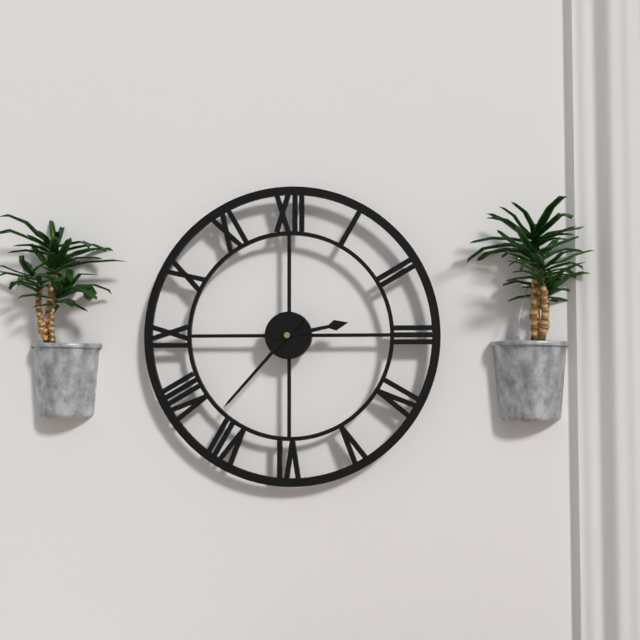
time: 2:37
